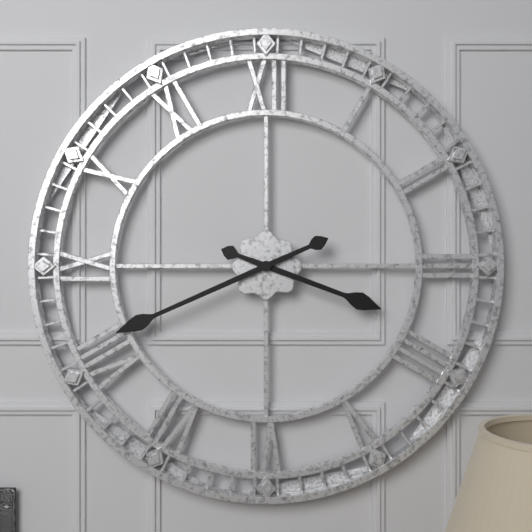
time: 3:41
